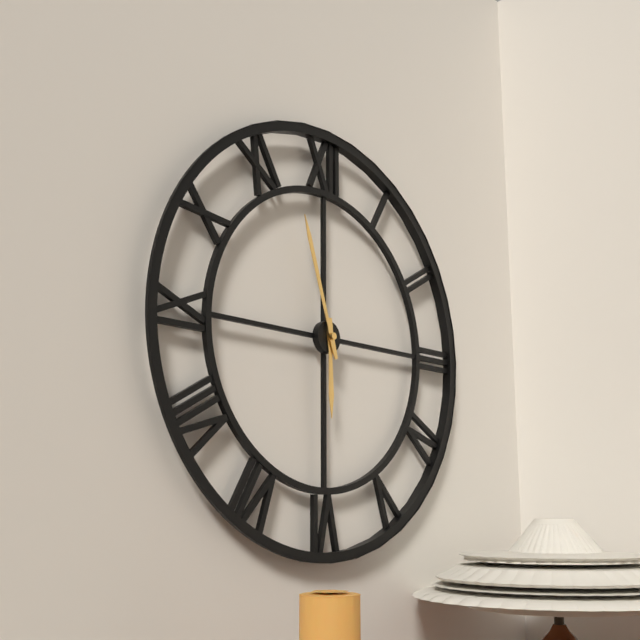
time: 5:57
